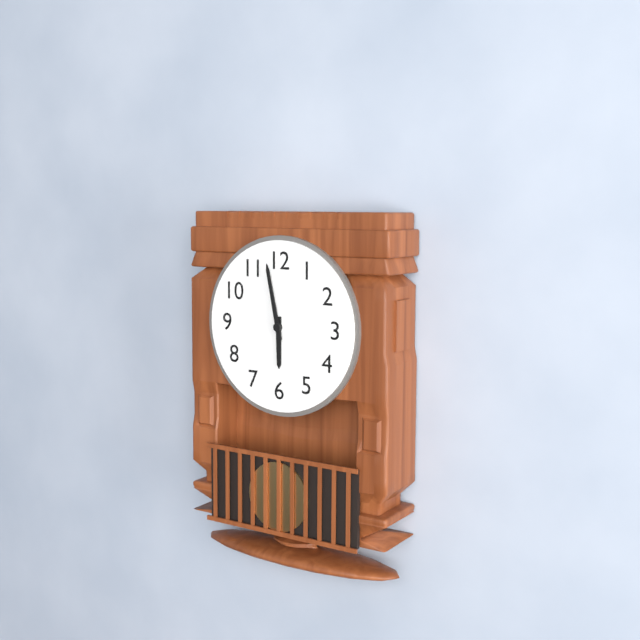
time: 5:58
